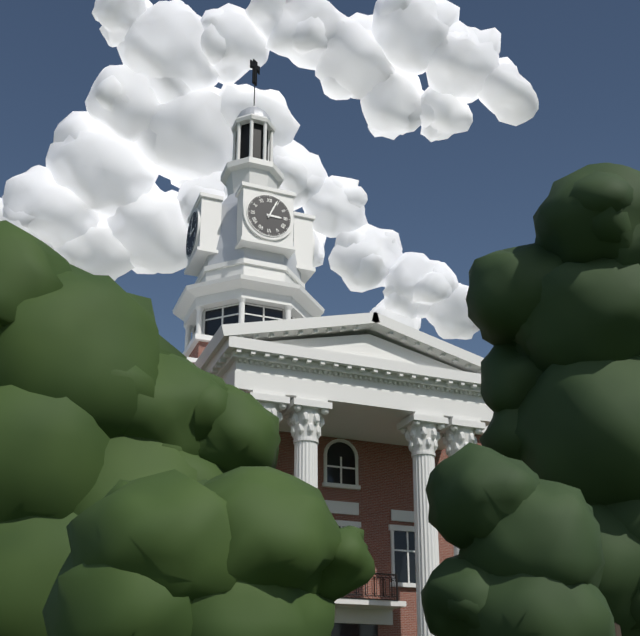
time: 3:04
